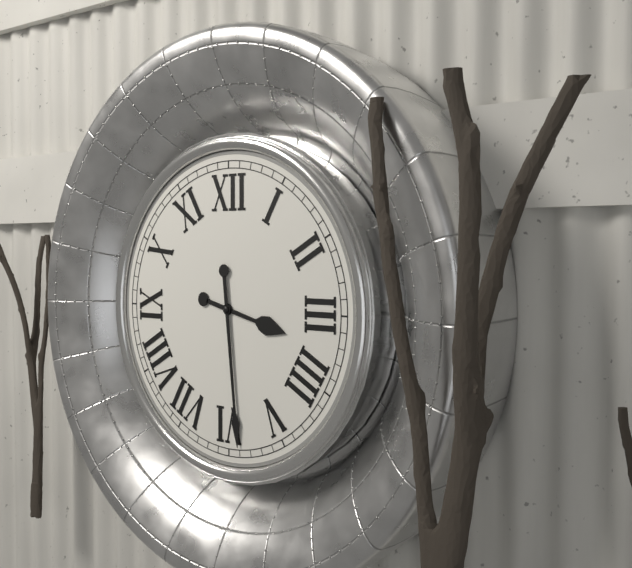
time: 3:29
